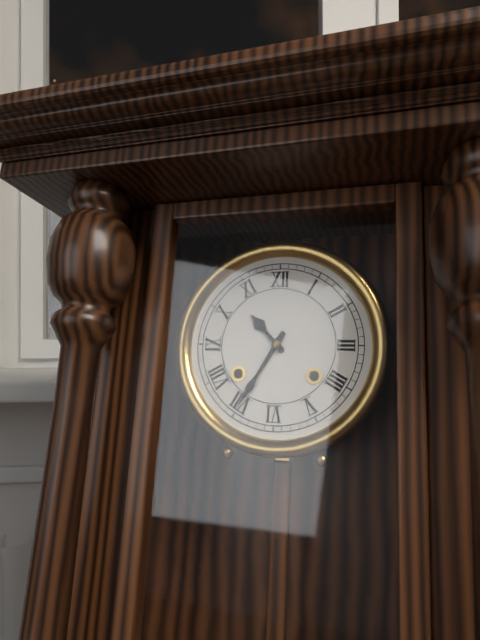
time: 10:35
